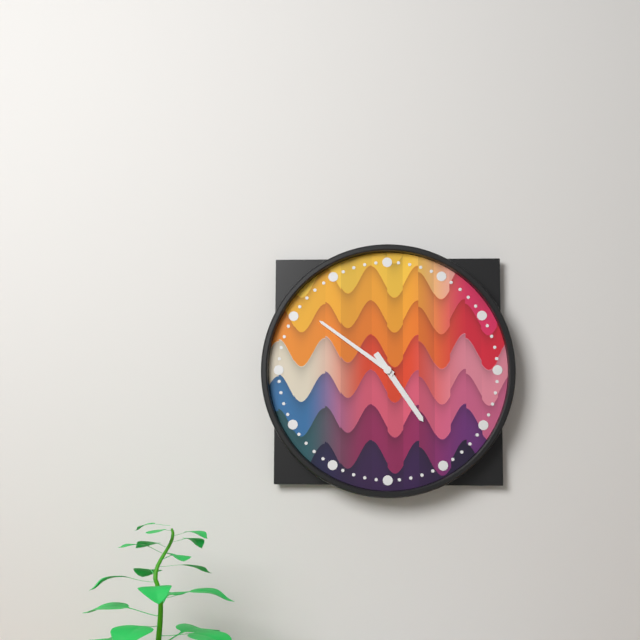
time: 4:51
